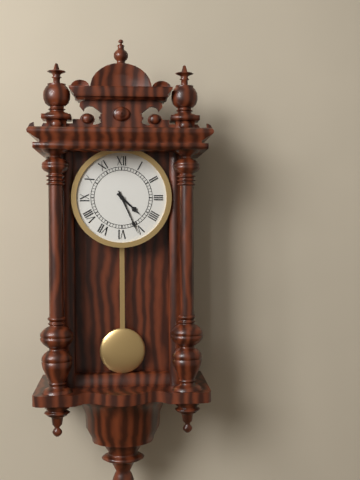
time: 4:26
